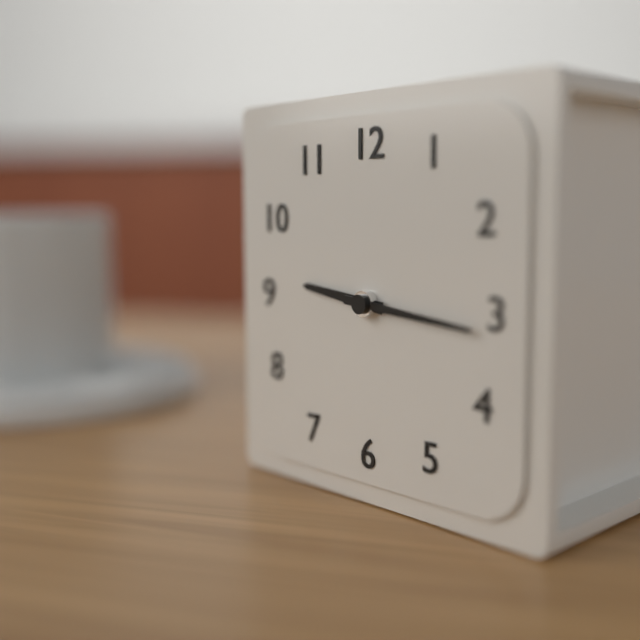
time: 9:16
